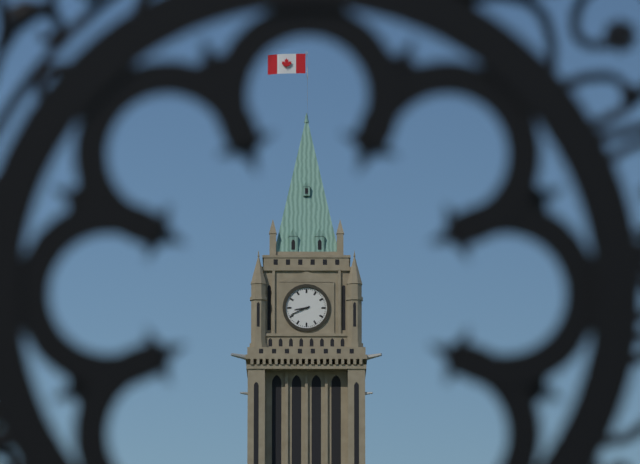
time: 8:41
